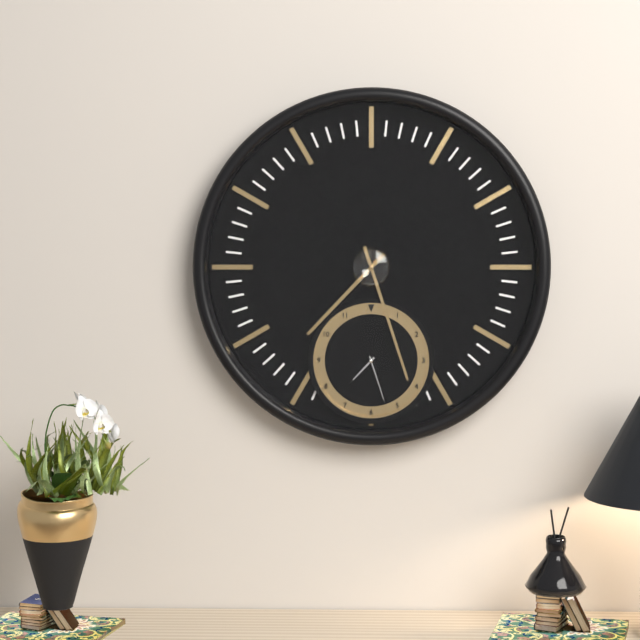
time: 7:27
